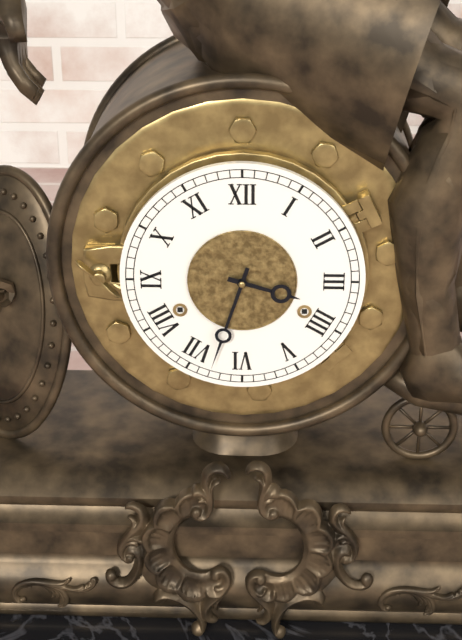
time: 3:33
